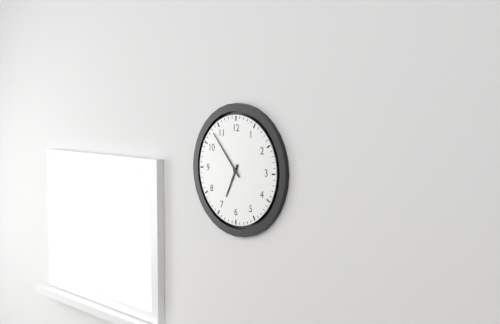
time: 6:53
